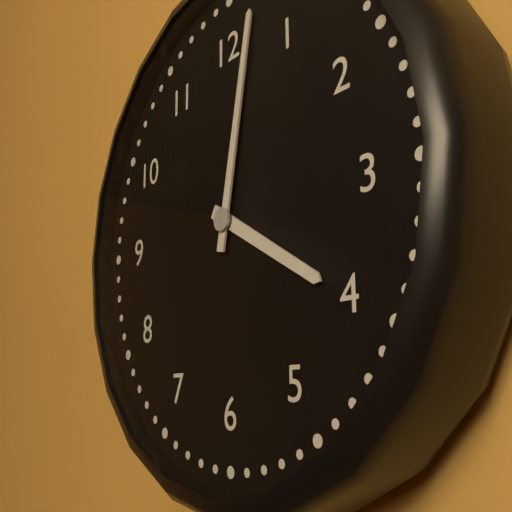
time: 4:02
